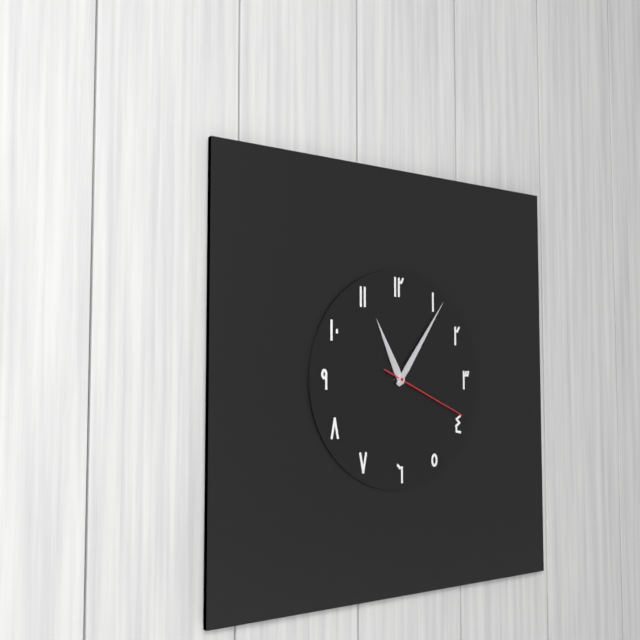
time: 11:06:19
